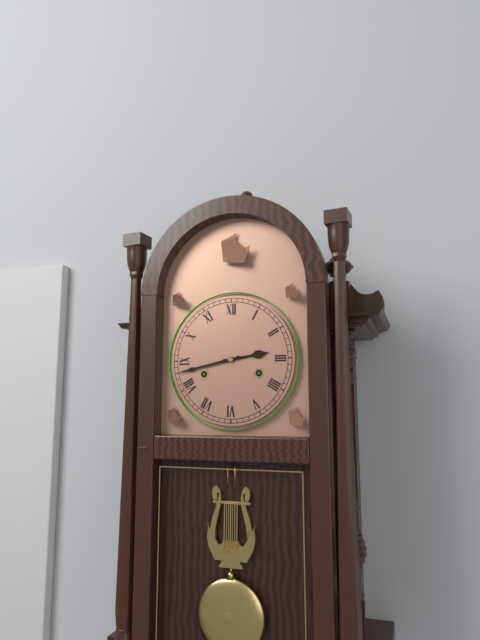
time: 2:43
